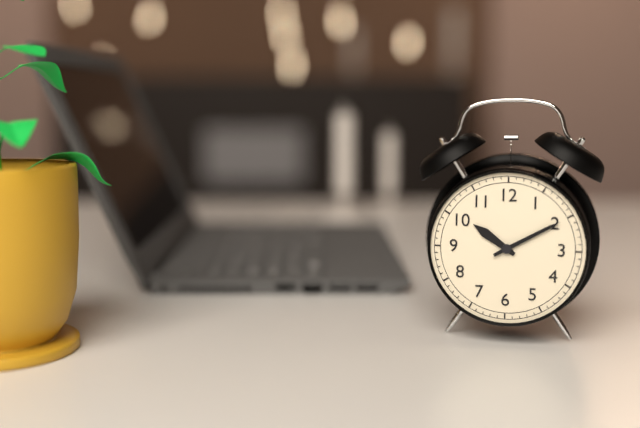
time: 10:10
